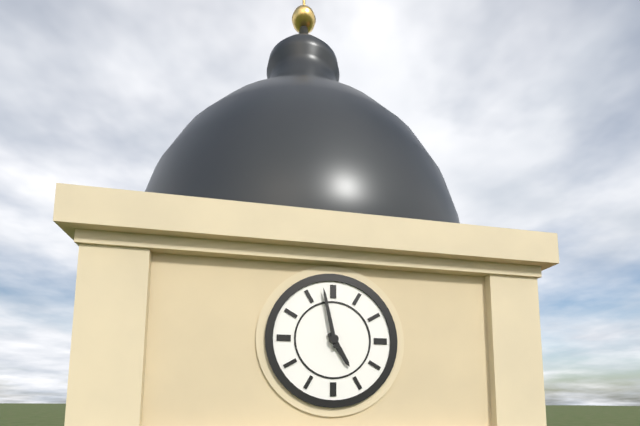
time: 4:58
